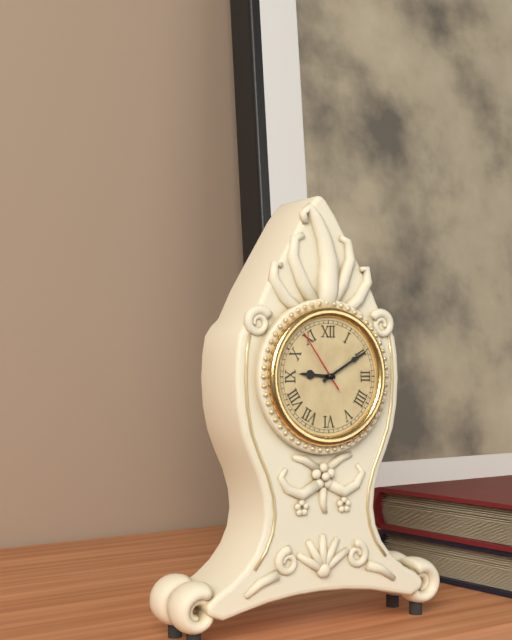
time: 9:10:54
